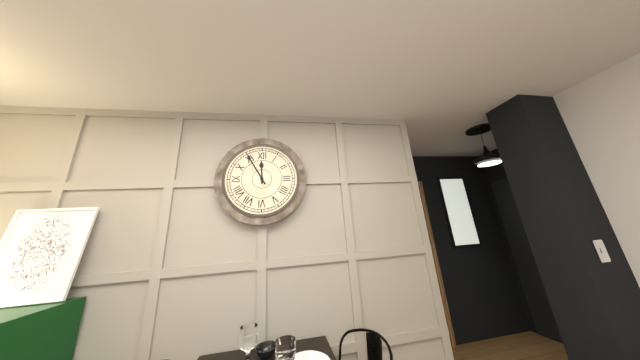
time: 11:55
